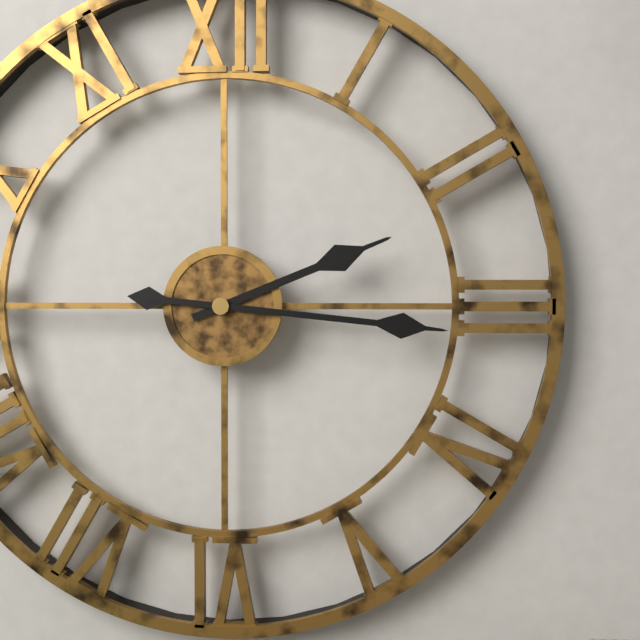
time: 2:16
